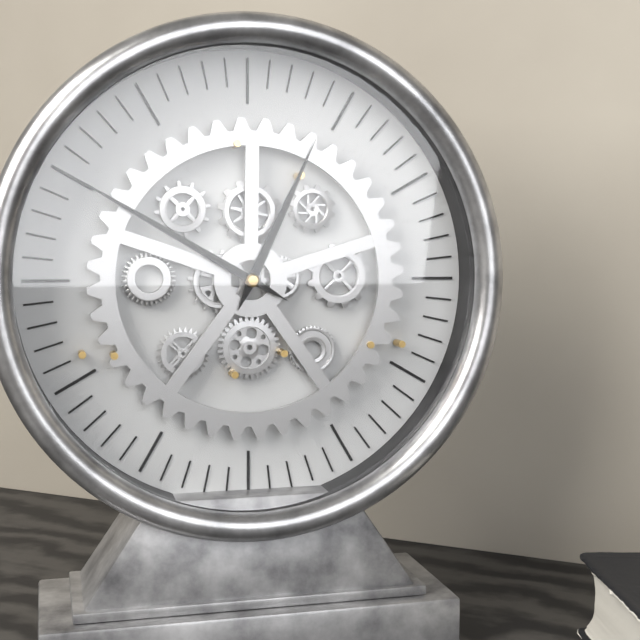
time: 12:50
